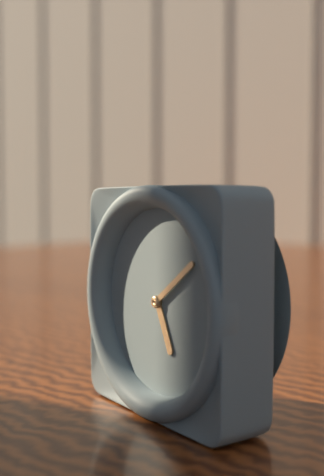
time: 5:09
